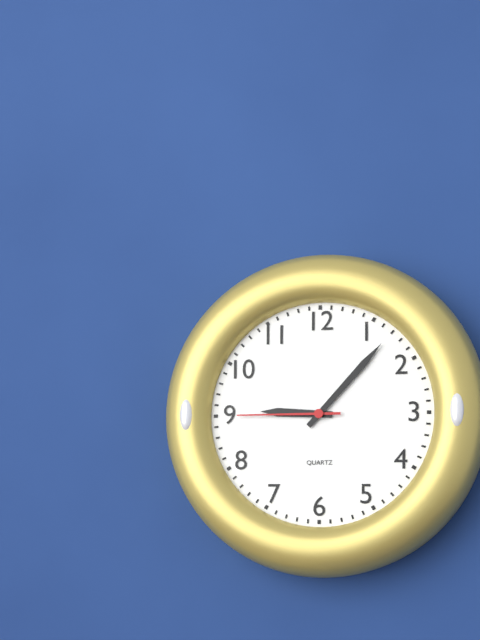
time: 9:07:45
